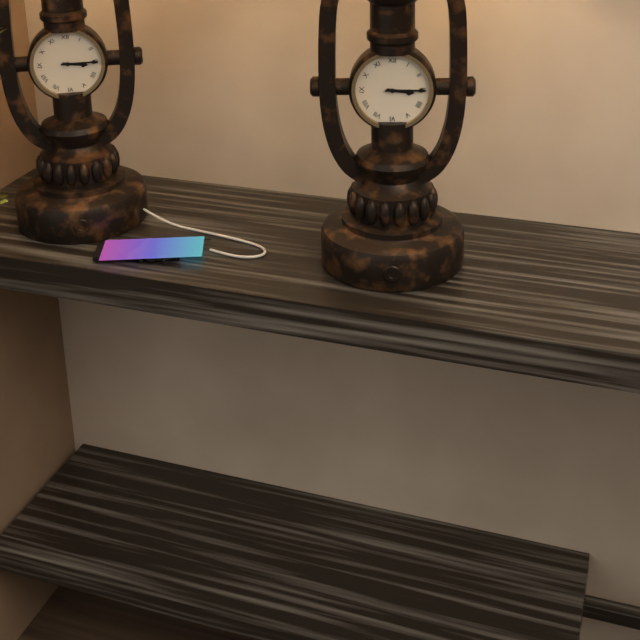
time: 3:15
